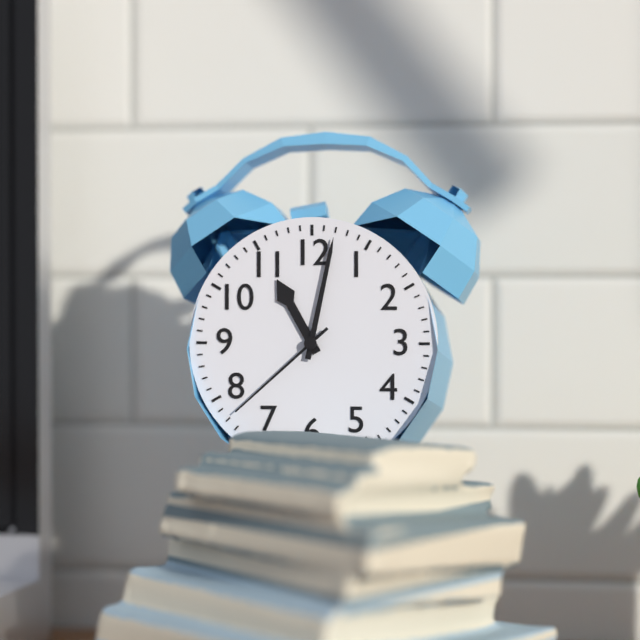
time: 11:02:38
